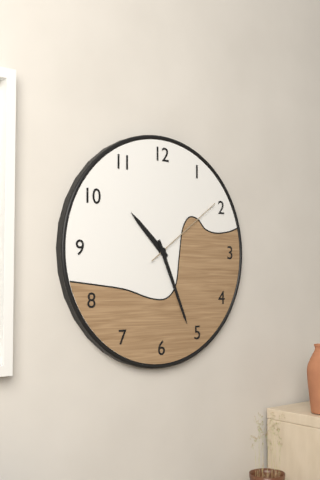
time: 10:26:09
